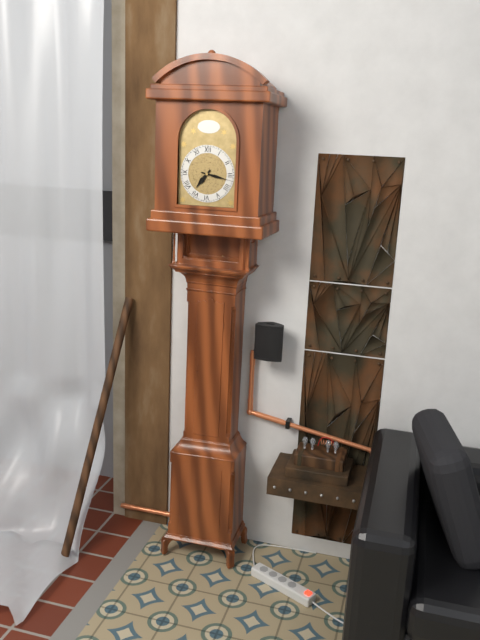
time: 7:17
